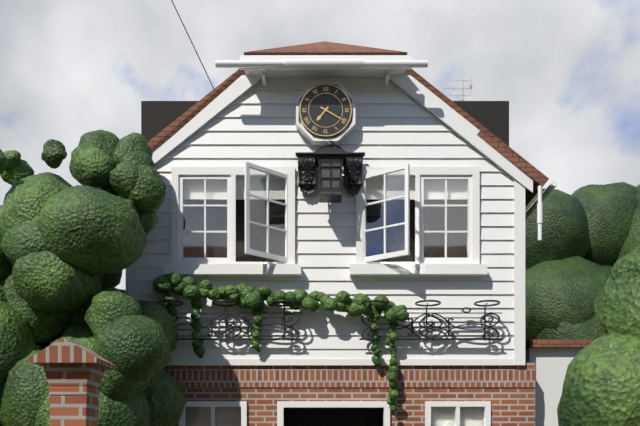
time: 7:20
